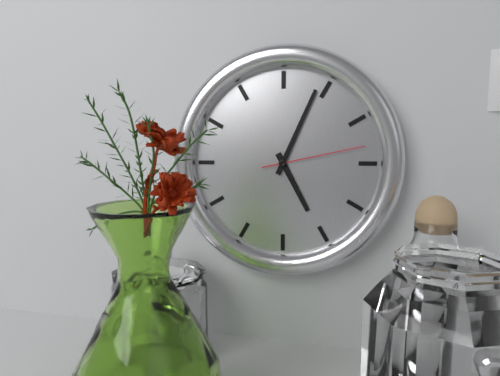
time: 5:04:13
